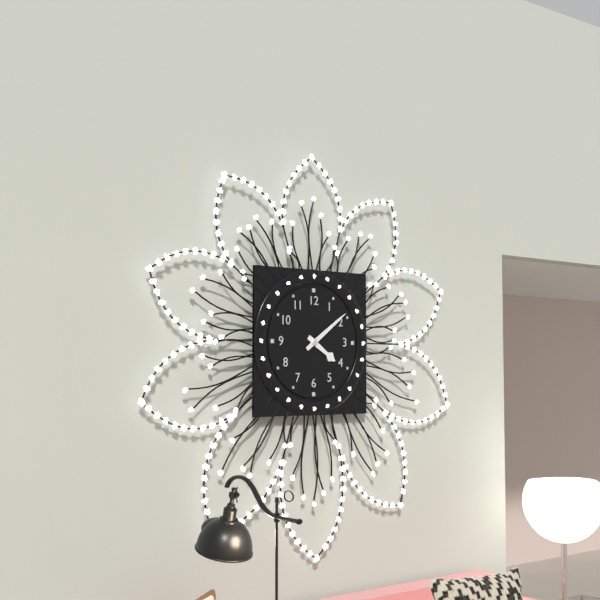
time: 4:09
